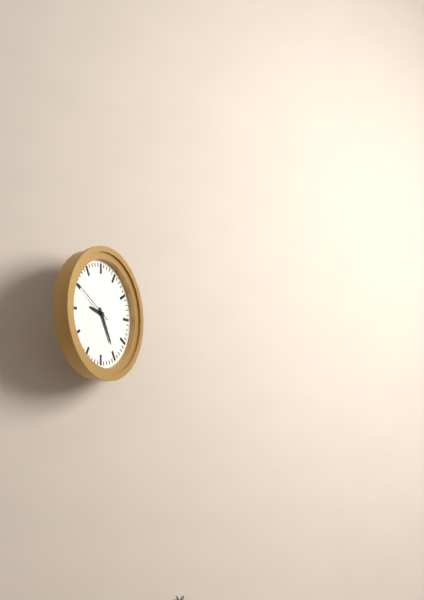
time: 9:25
